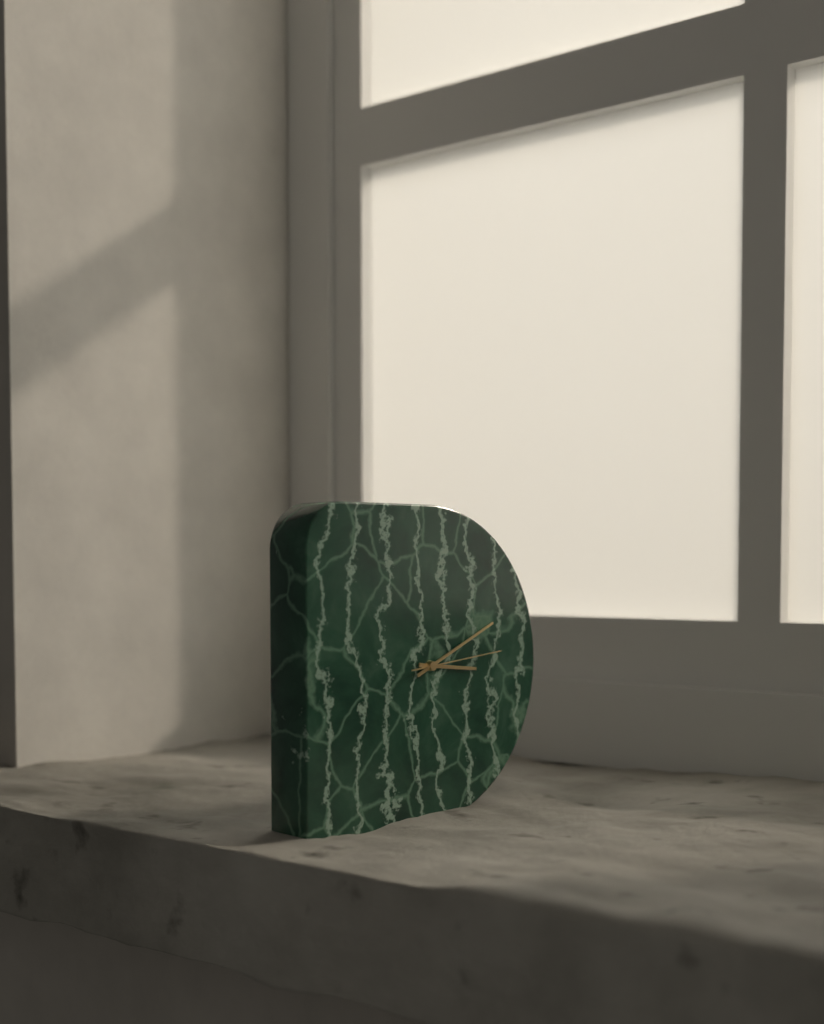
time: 3:11:14
